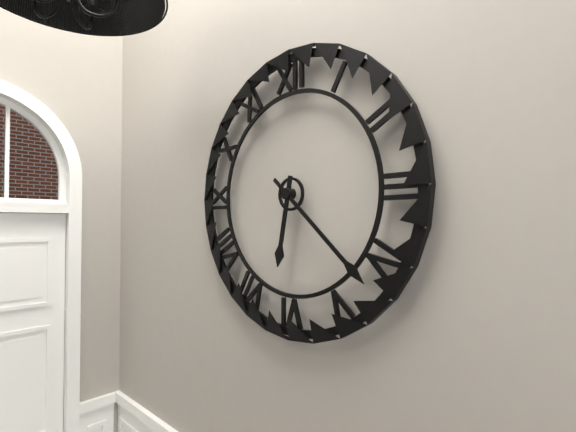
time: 6:22
